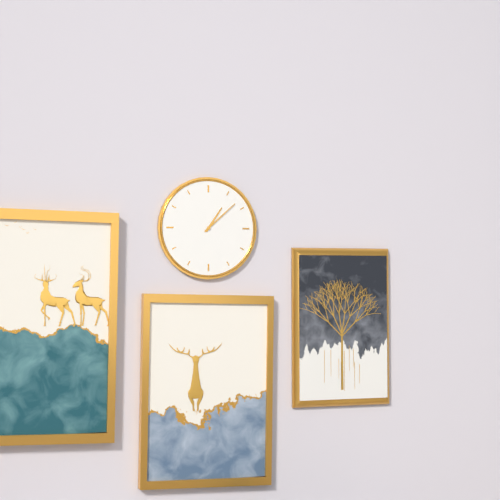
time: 1:08
